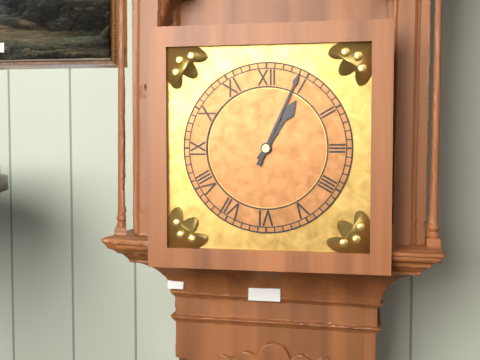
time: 1:04
